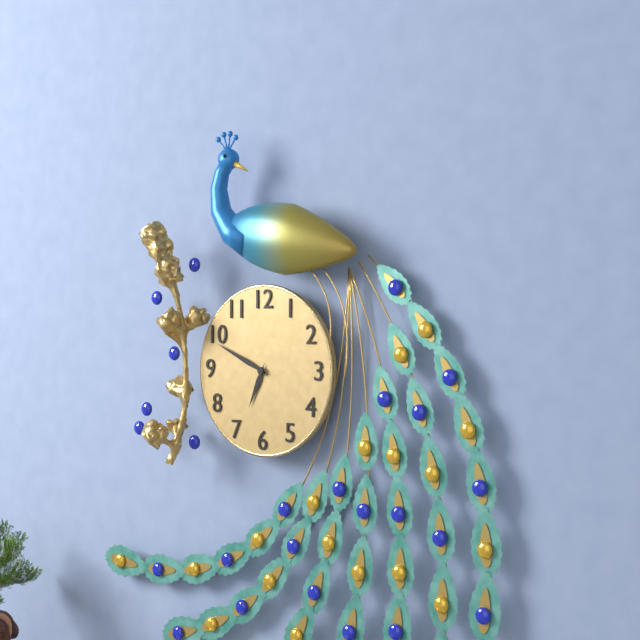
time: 6:49
